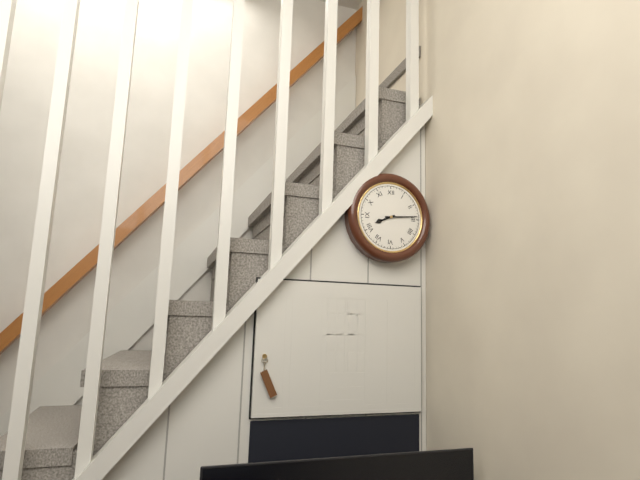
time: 8:14
